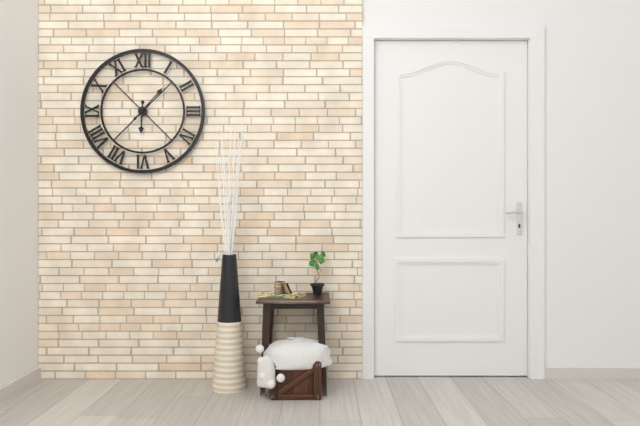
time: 6:07
